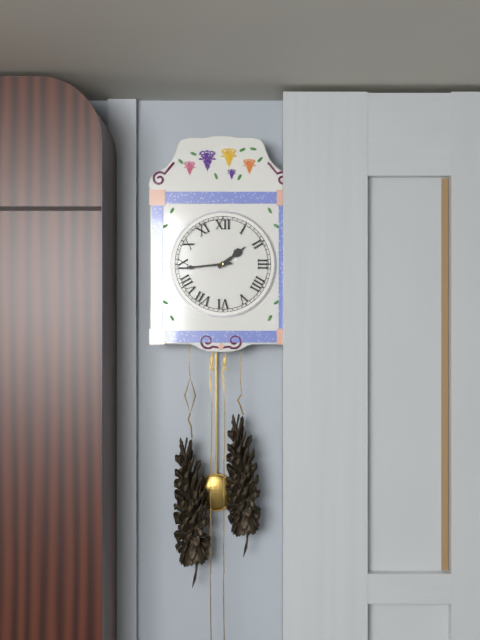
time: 1:44
